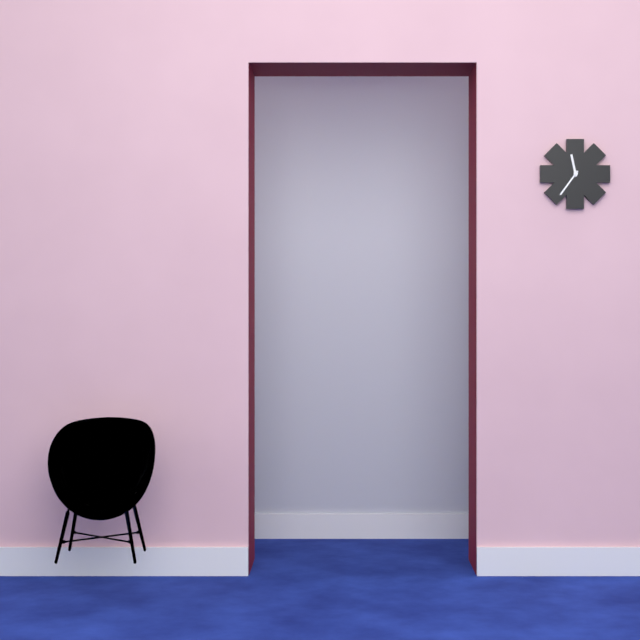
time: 11:36
